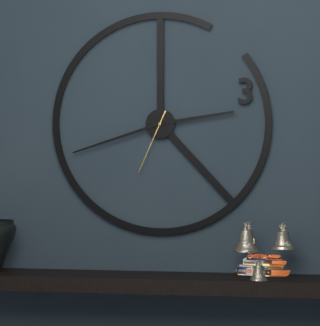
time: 2:42:34
